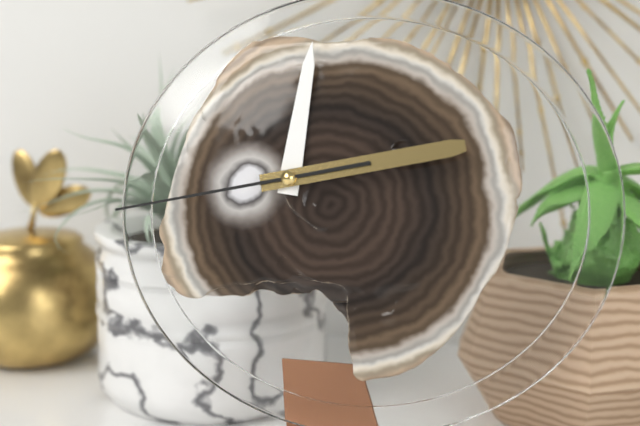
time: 12:13:43
